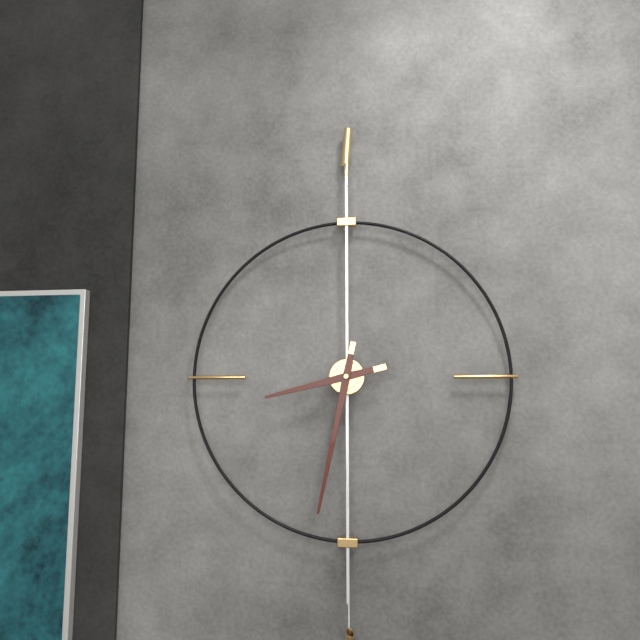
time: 8:32
